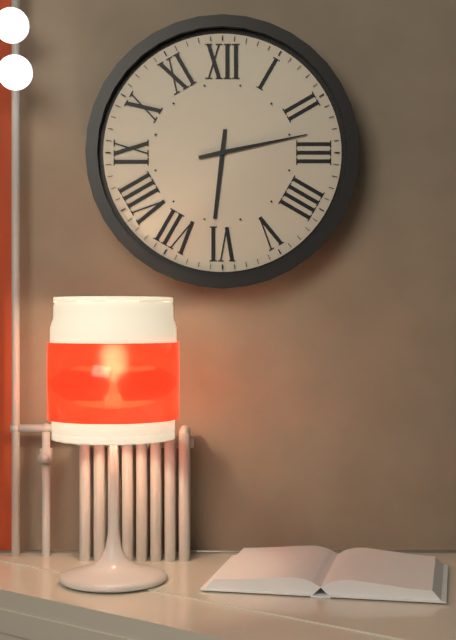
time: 6:13
